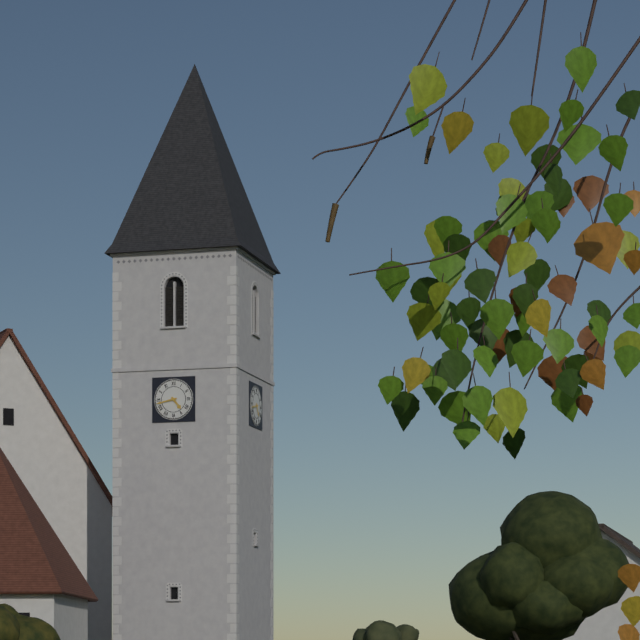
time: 4:43
